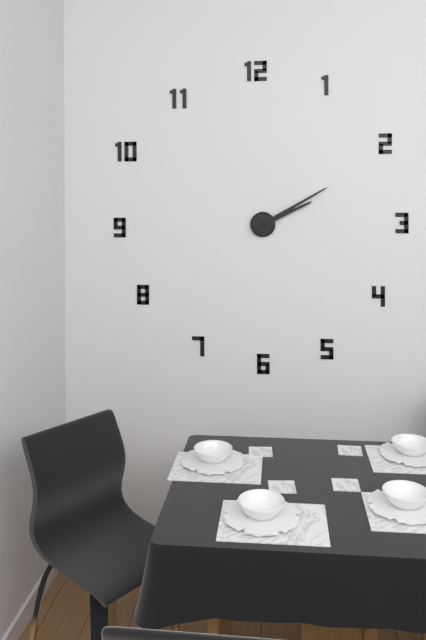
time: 2:10
